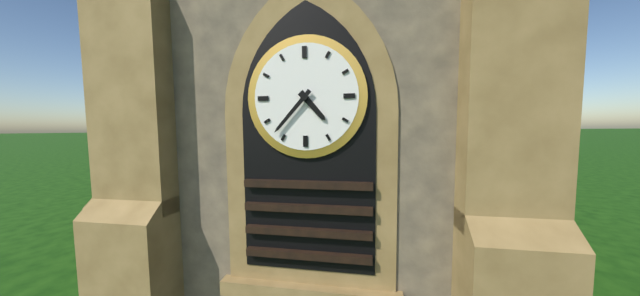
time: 4:37
